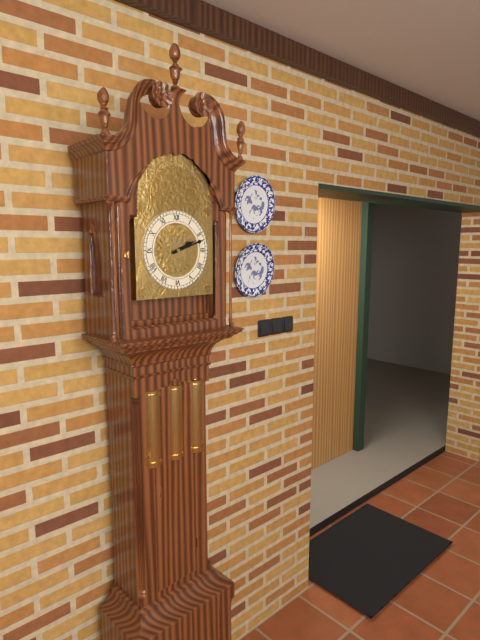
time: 2:12
